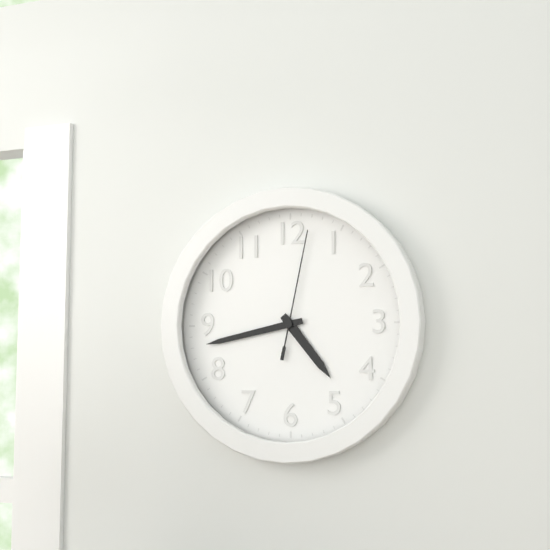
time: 4:43:02
